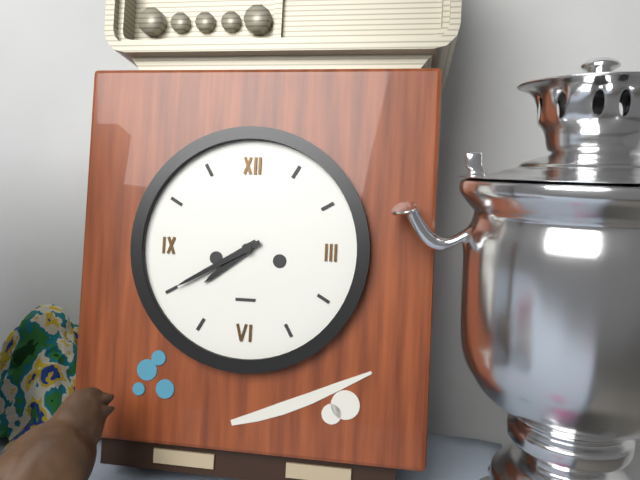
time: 7:40
